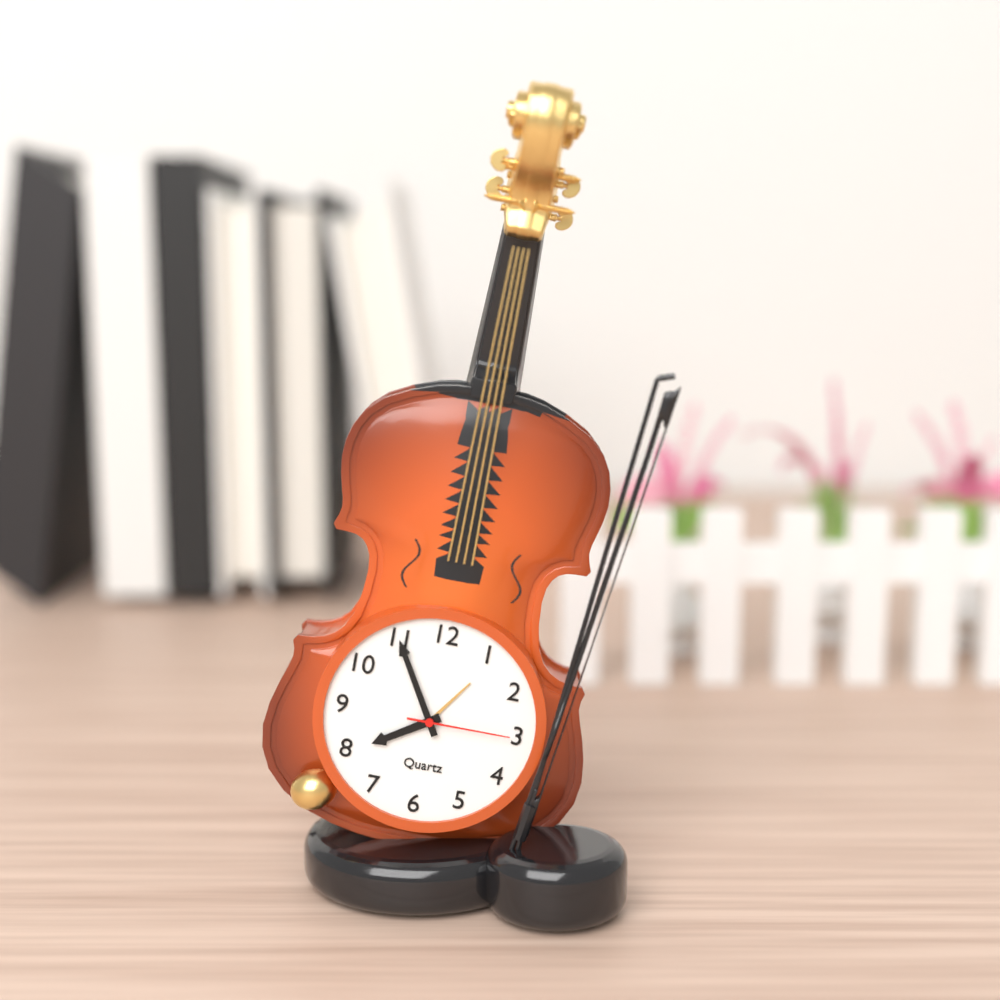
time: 7:55:15
